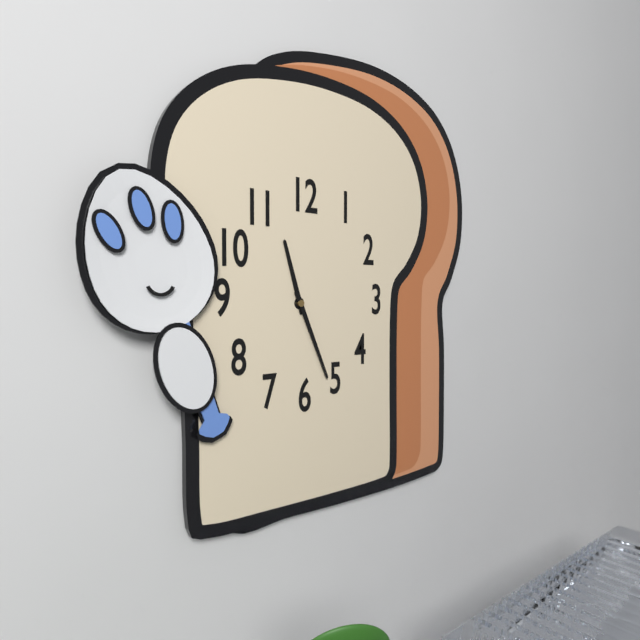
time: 11:26
